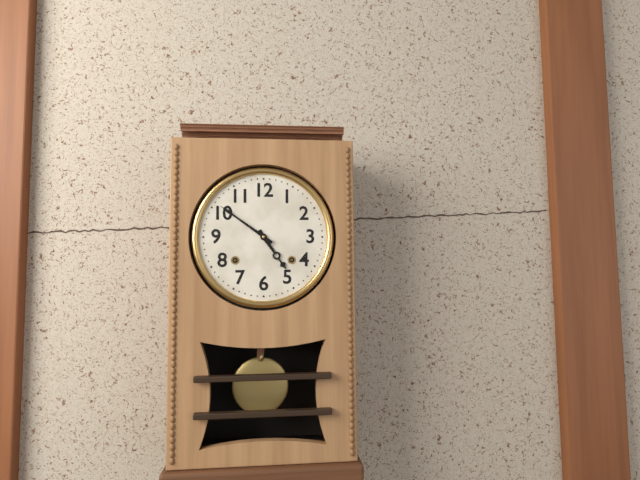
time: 4:51
